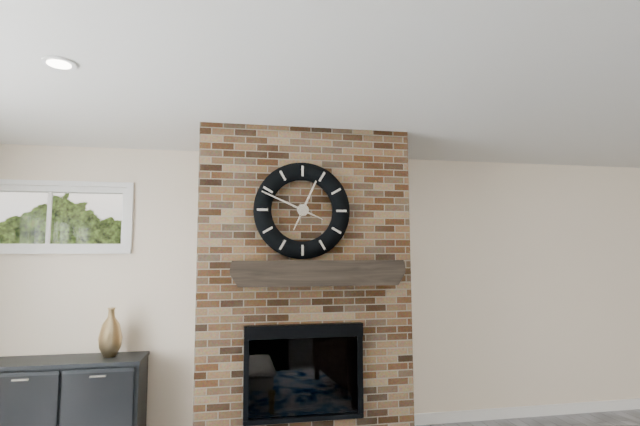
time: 12:49
